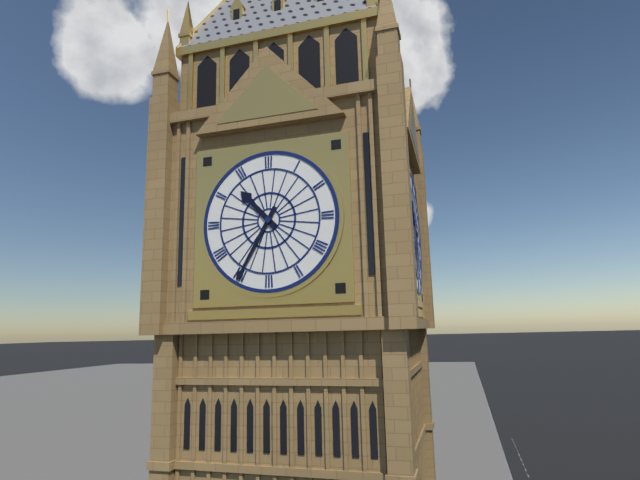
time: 10:35
